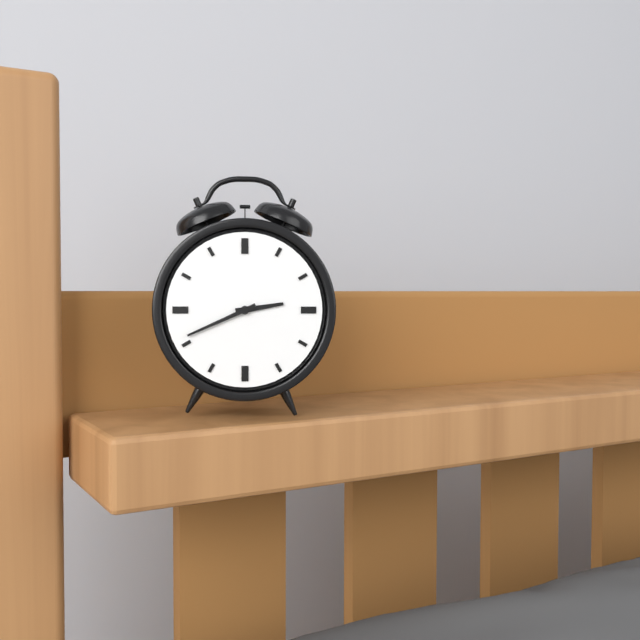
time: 2:41
